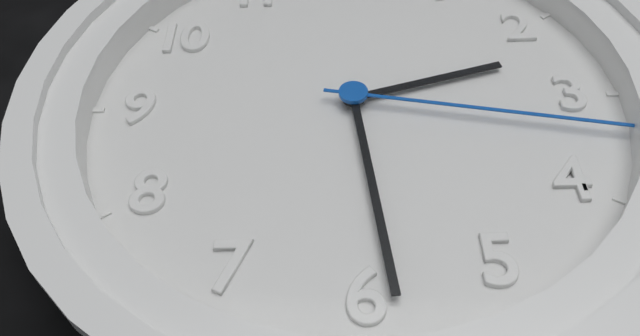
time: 2:29
